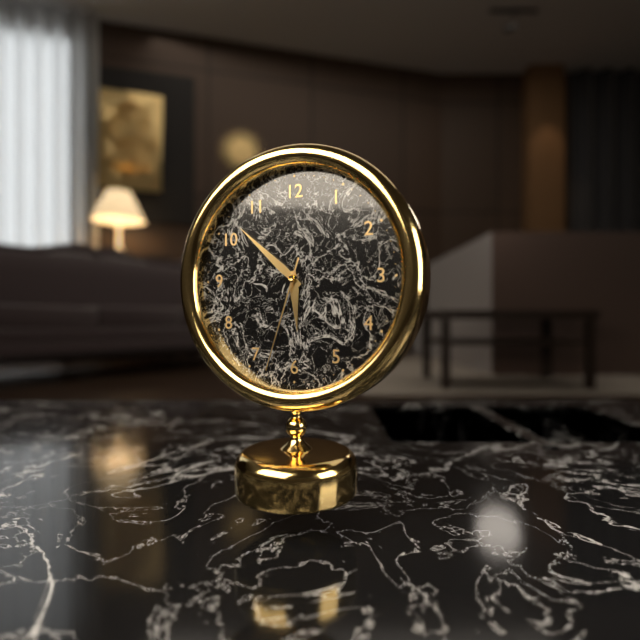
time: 5:52:33
